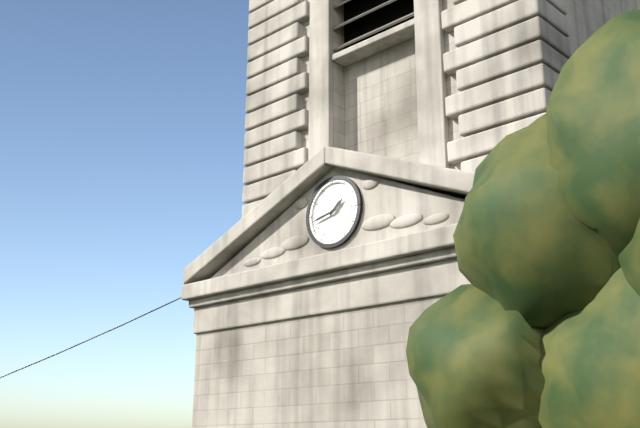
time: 1:43
